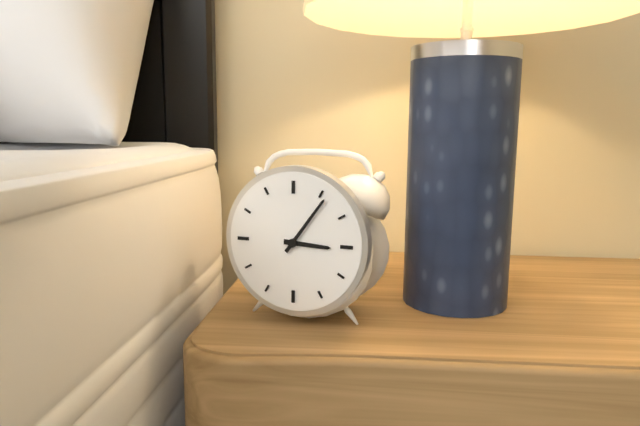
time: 3:06
